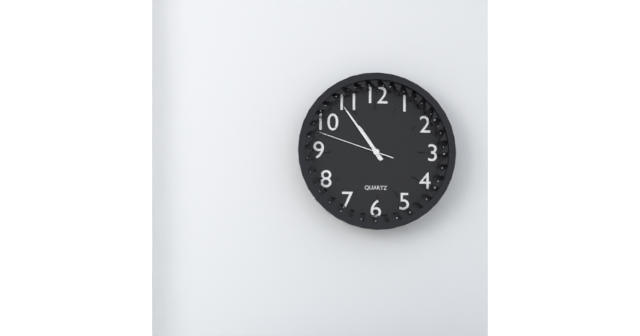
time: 10:54:48
